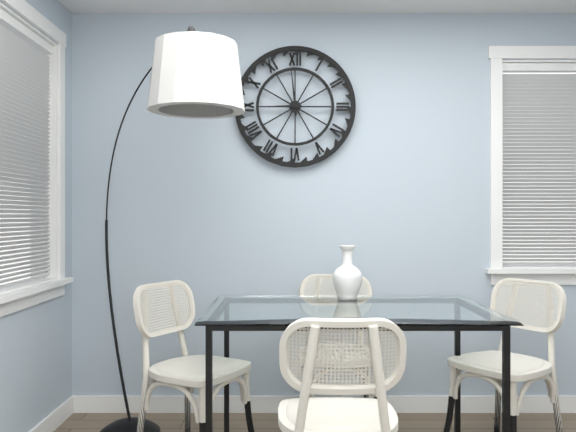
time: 8:59
